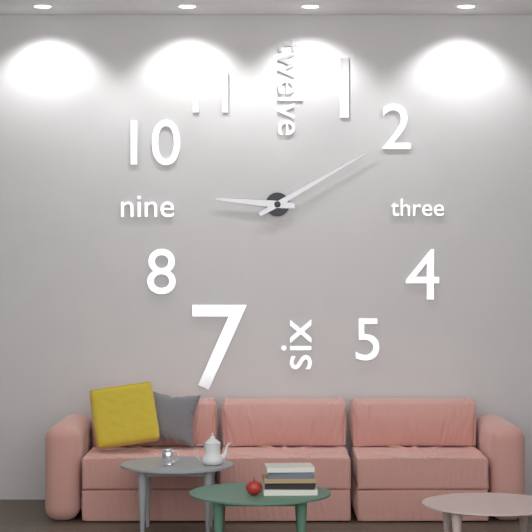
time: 9:10
